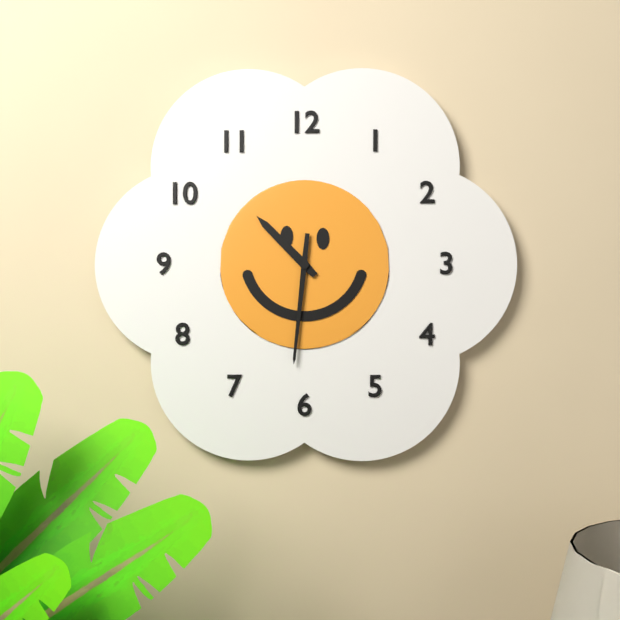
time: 10:31
